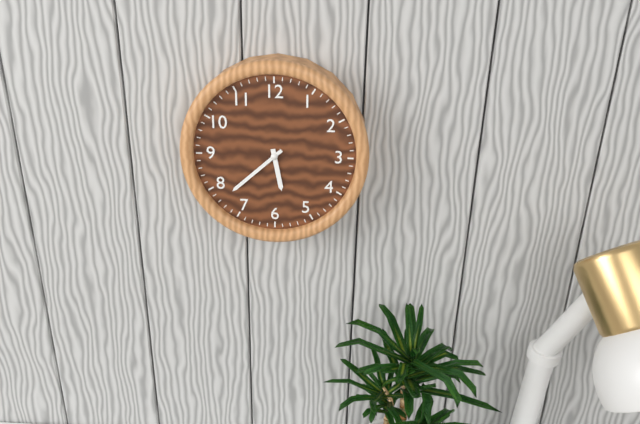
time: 5:38
